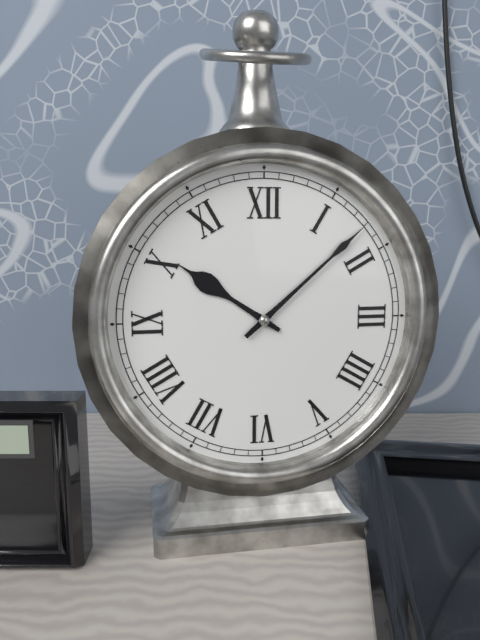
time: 10:08
